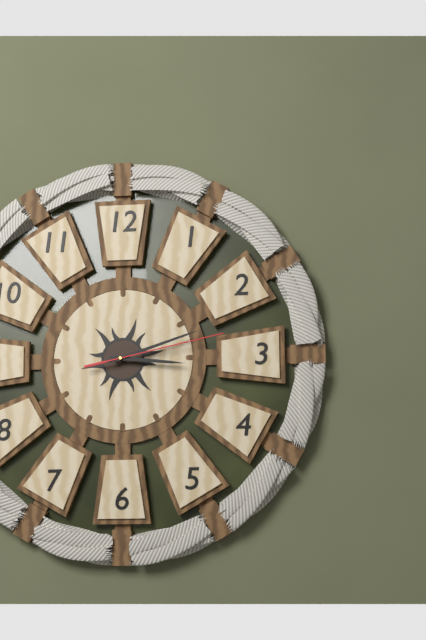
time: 3:12:13
